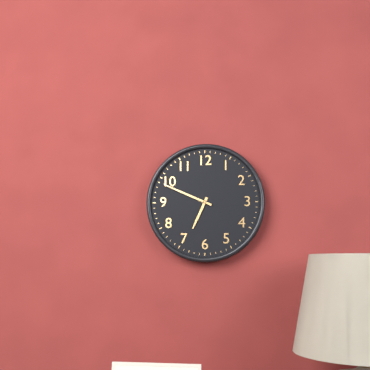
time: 6:49
